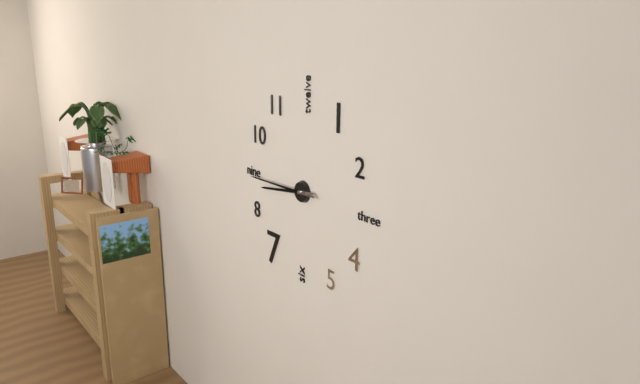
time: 8:45
